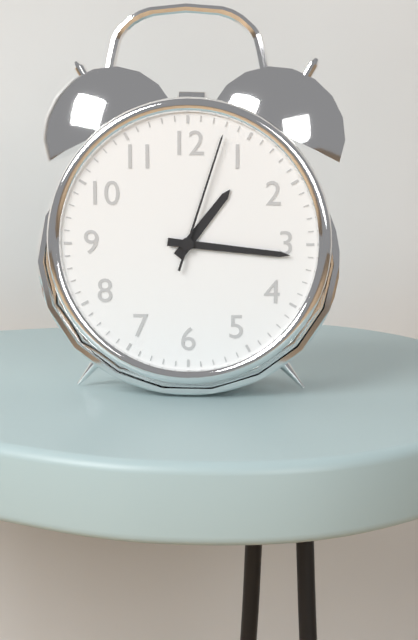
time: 1:16:03
